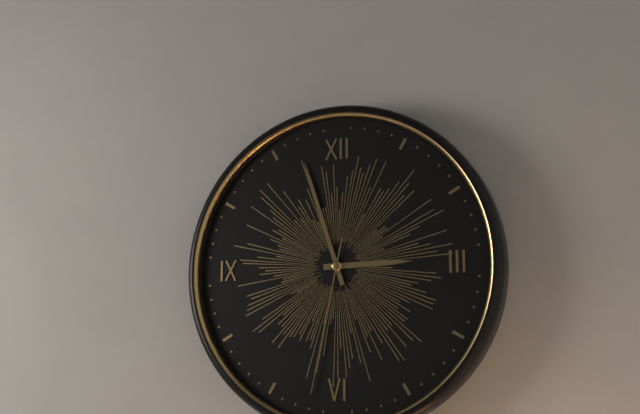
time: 2:57:32
